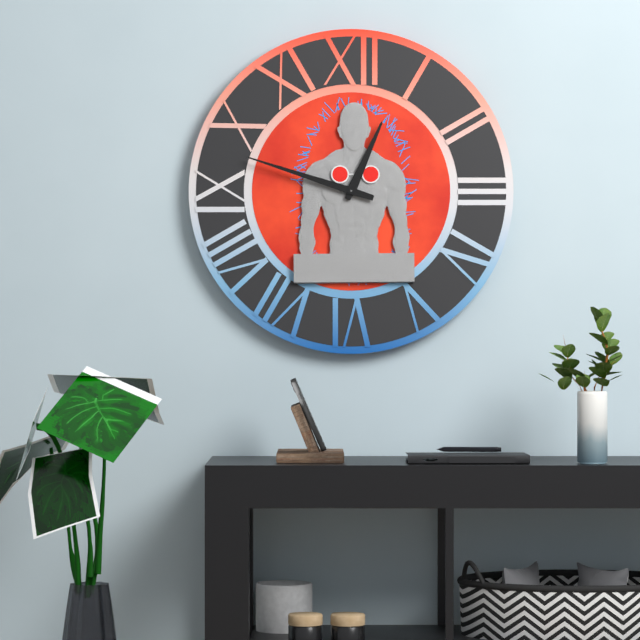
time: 12:48
